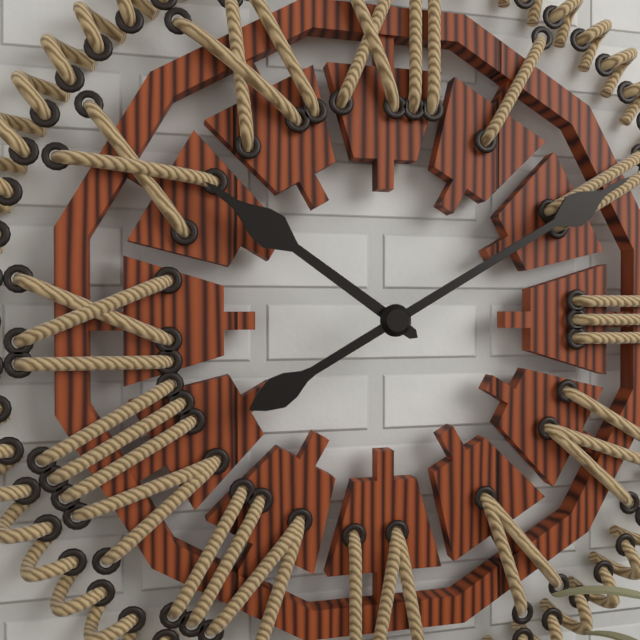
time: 10:10
